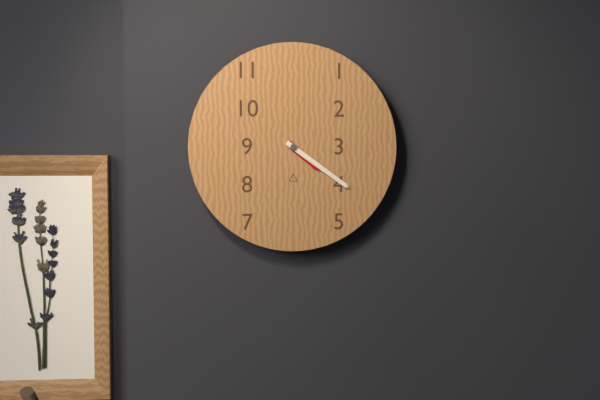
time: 4:21
